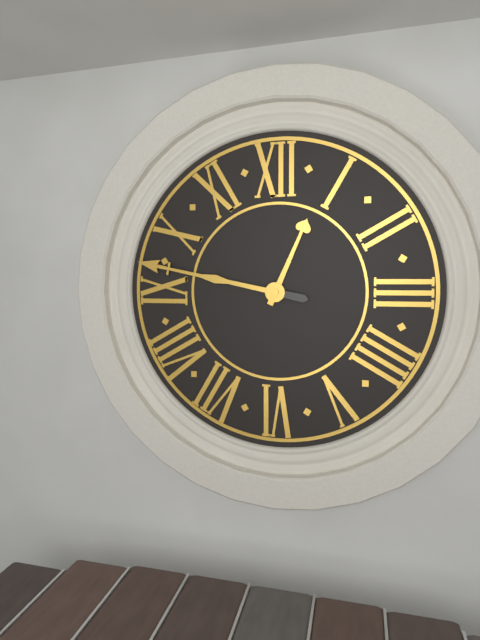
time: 12:47
